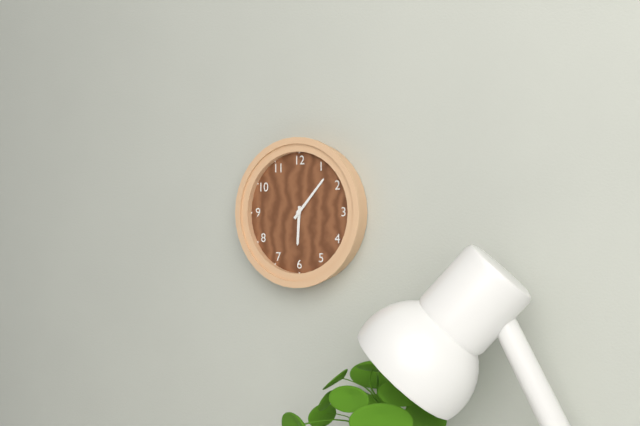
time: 6:07
